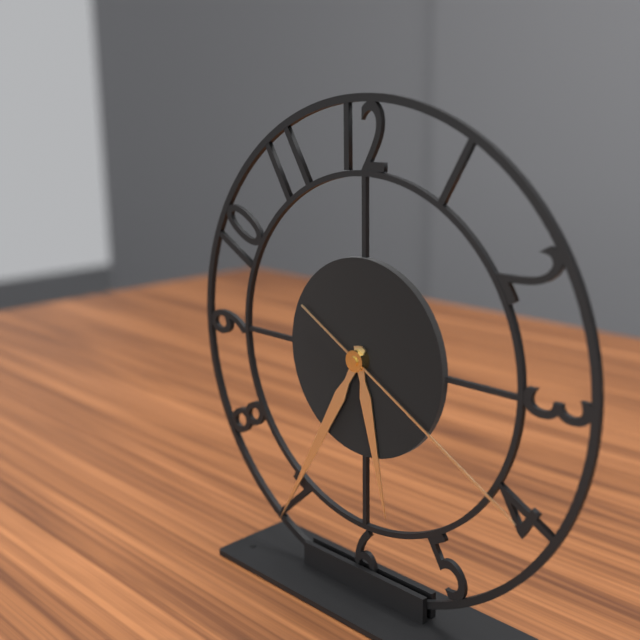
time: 5:35:20
